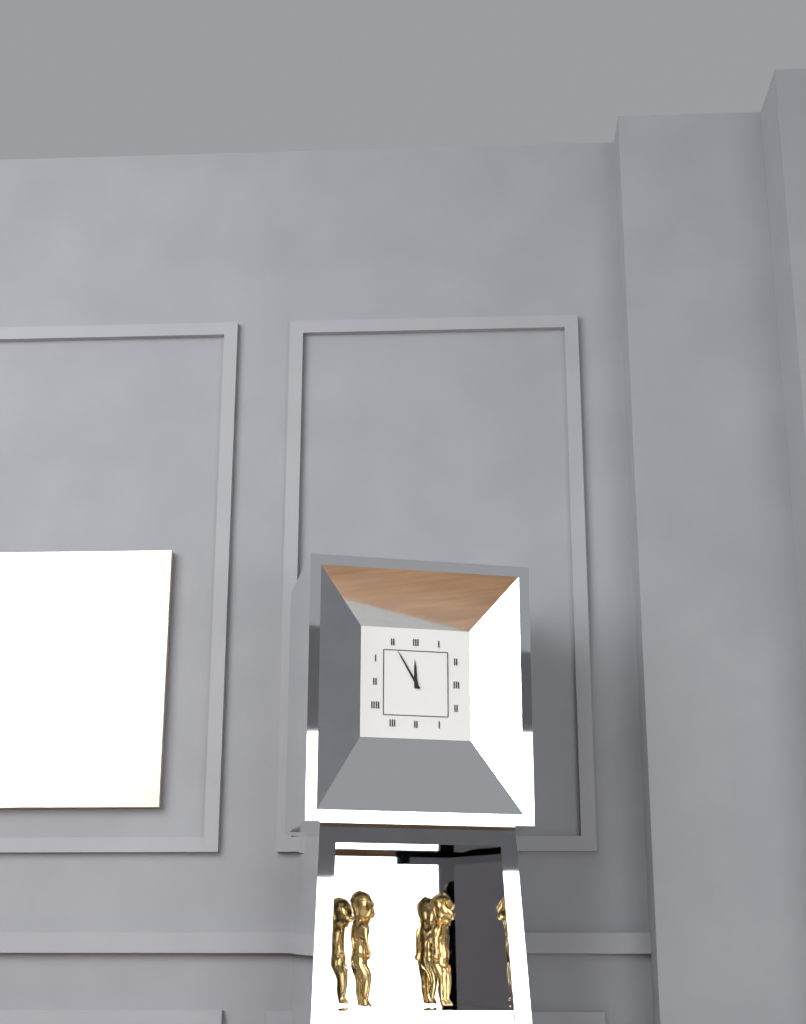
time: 11:55
